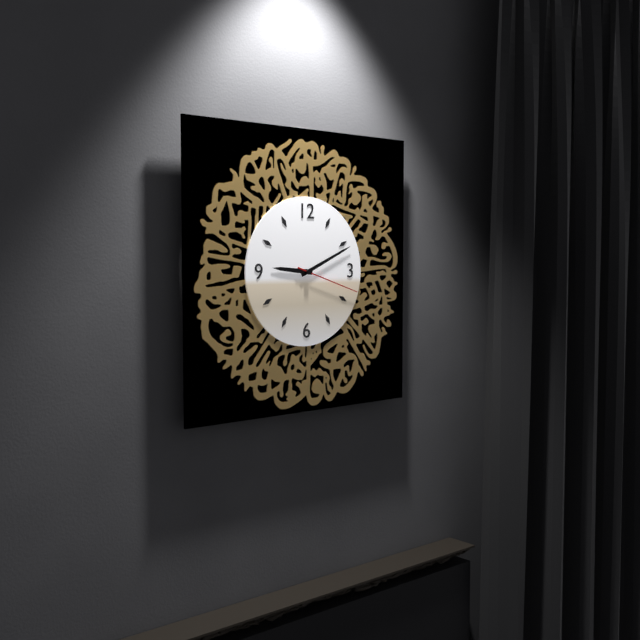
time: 9:11:18
